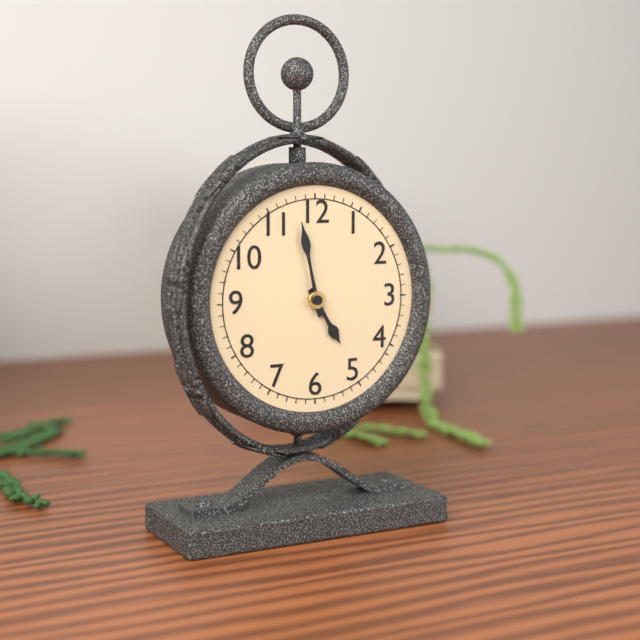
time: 4:58
